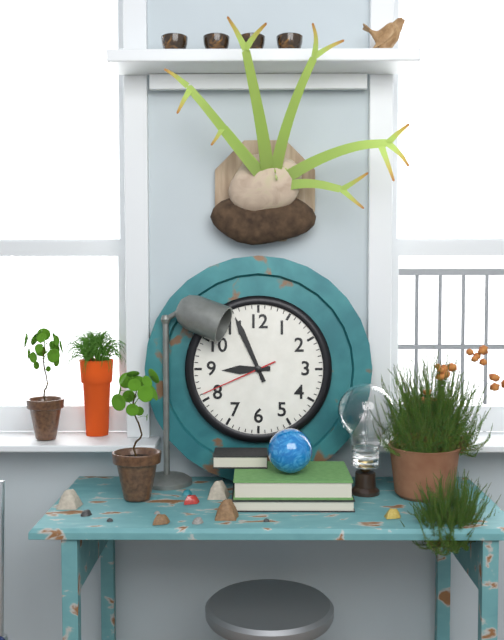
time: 8:56:41
